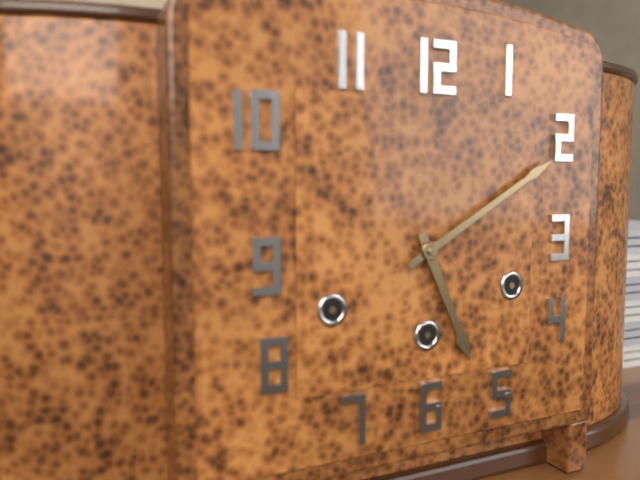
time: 5:10
